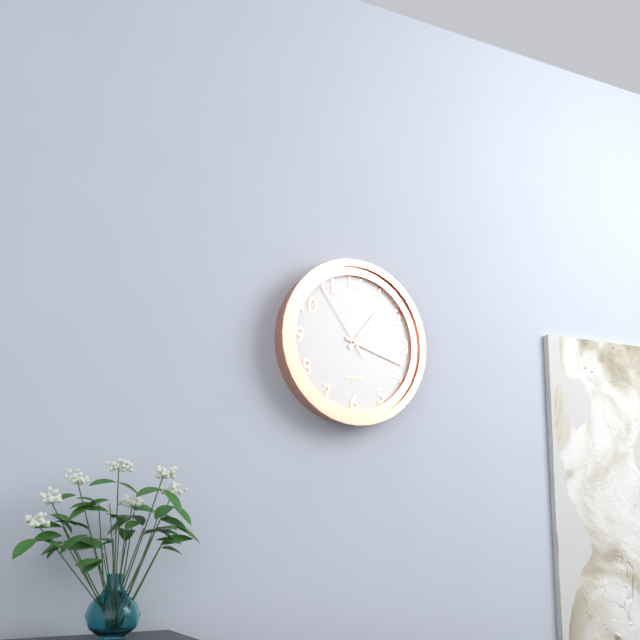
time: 1:18:54
